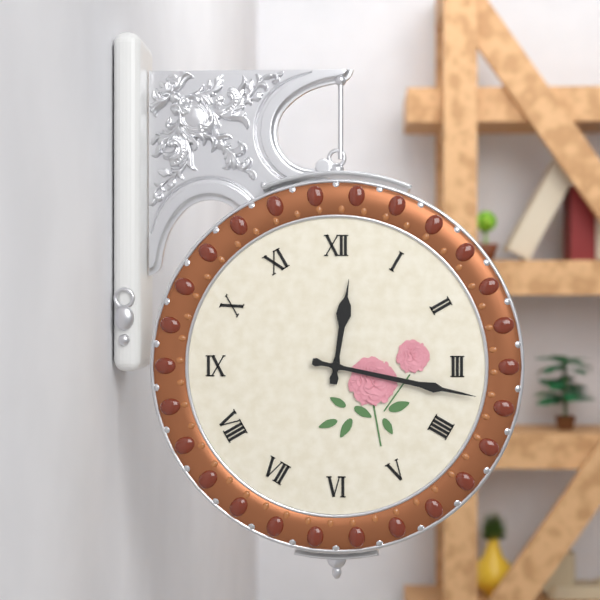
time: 12:17
